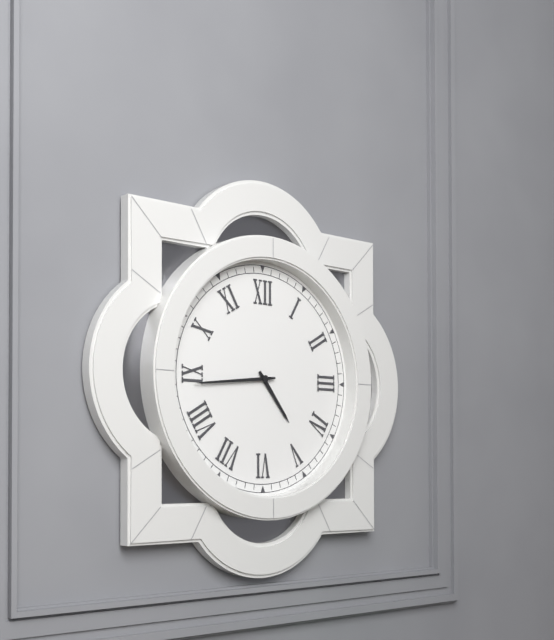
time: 4:44
